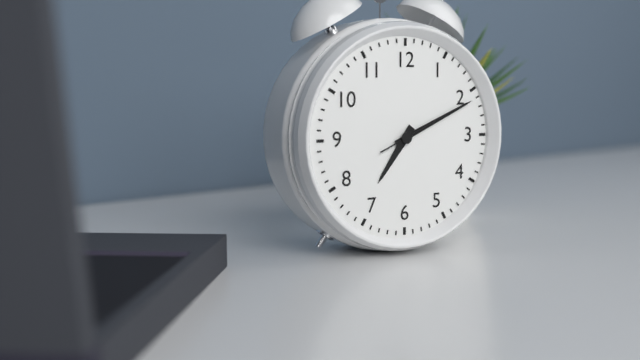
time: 7:11:11
